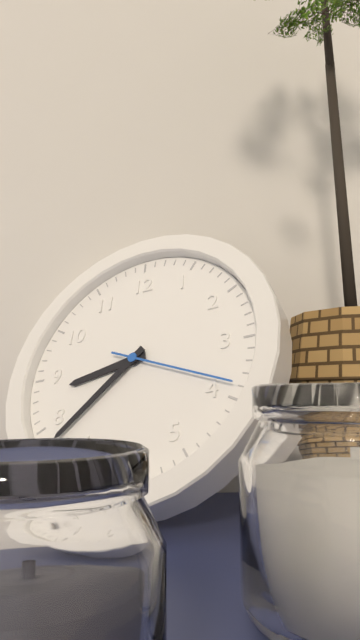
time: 8:38:19
